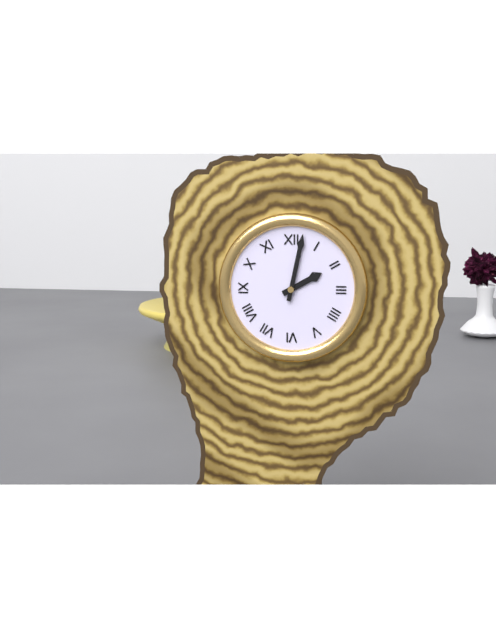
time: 2:02
